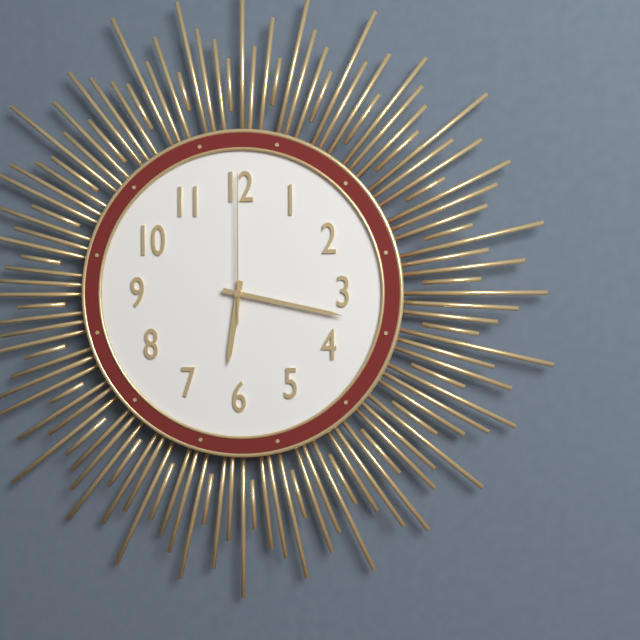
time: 6:17:00
